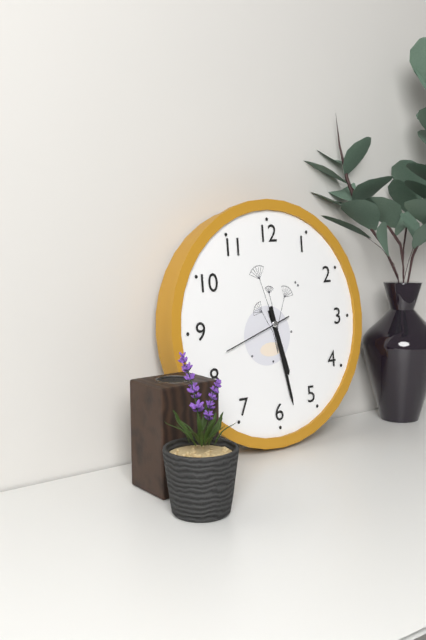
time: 5:28:42
